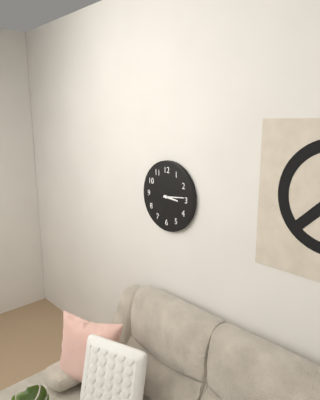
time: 3:14
